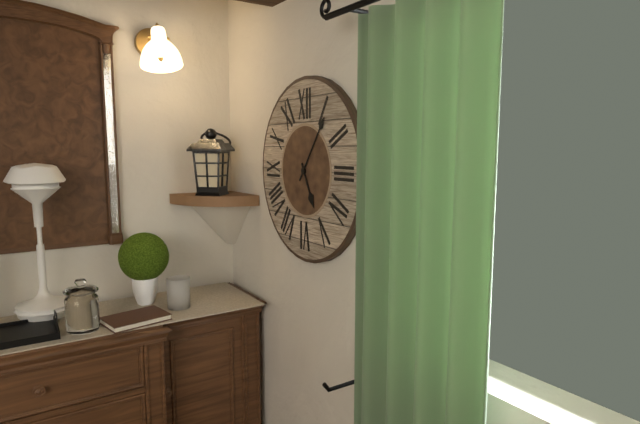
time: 5:06
